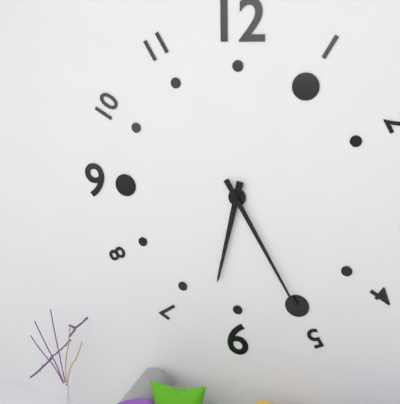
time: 6:25
